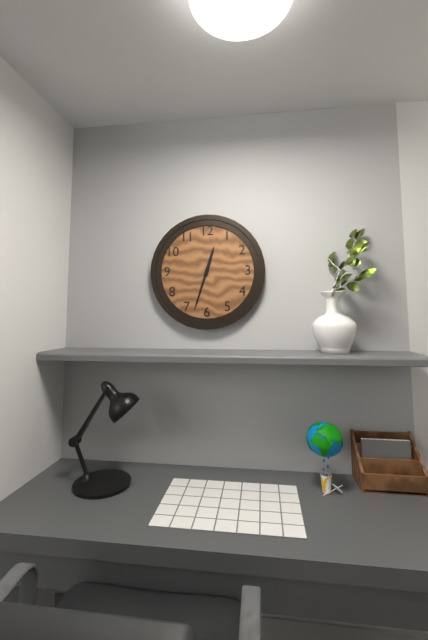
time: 12:33
